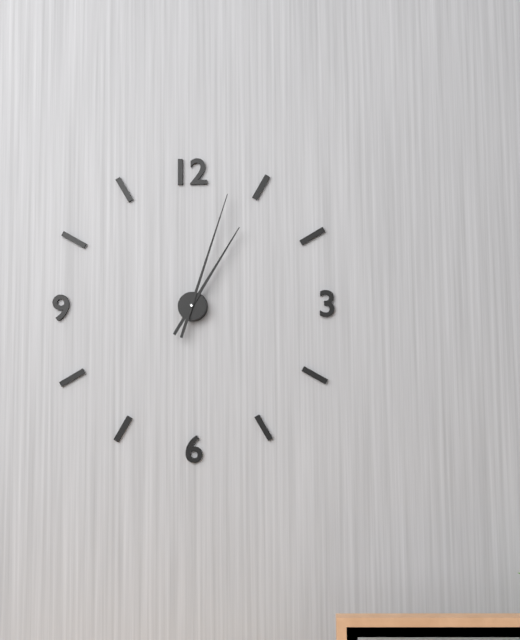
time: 1:03
